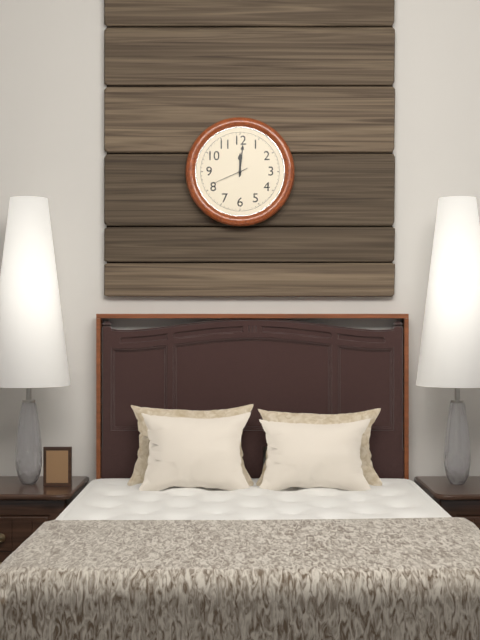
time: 12:01
